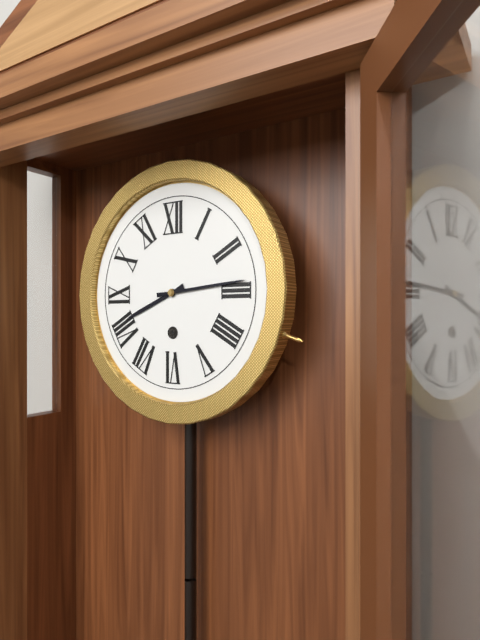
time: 8:14
